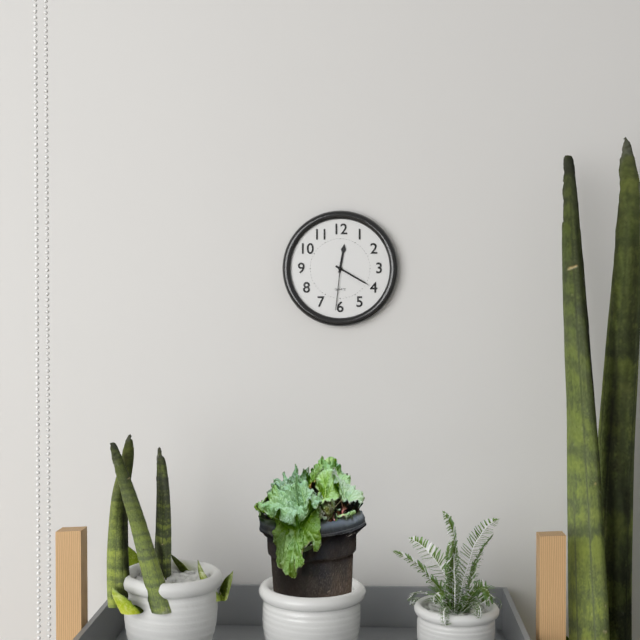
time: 12:20:31
